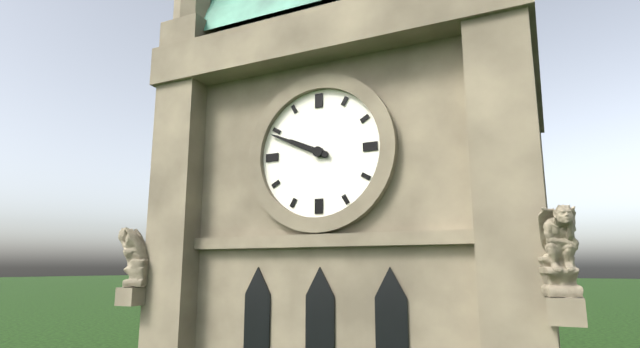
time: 9:49
